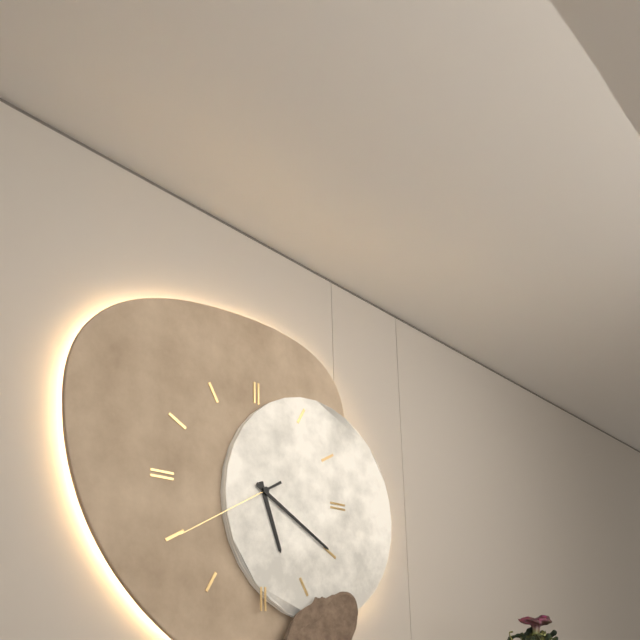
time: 5:20:40
